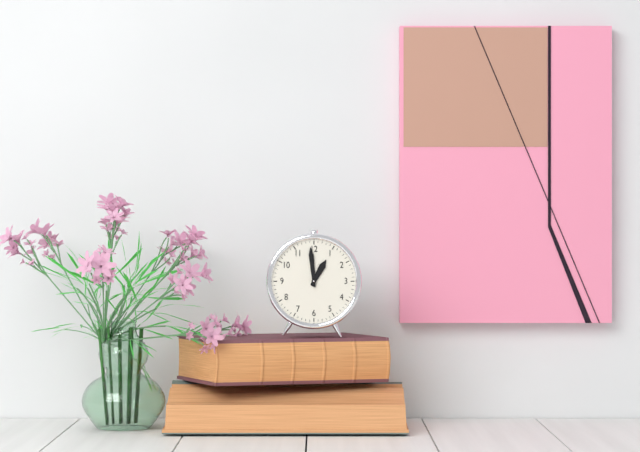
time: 12:59
